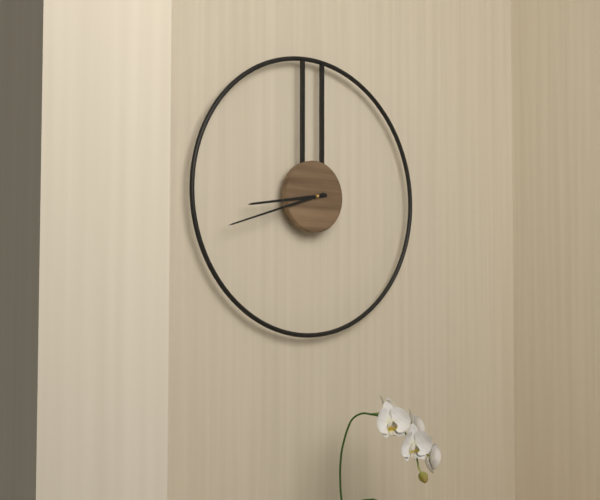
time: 8:42
